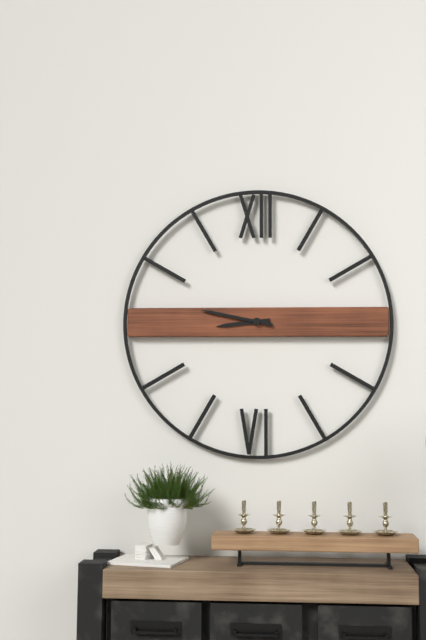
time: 8:47
